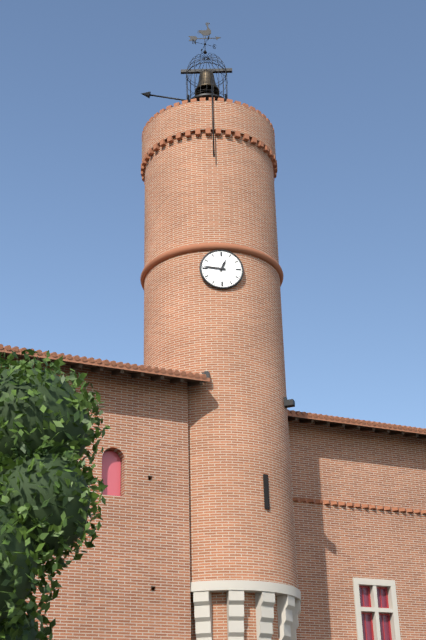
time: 12:46
